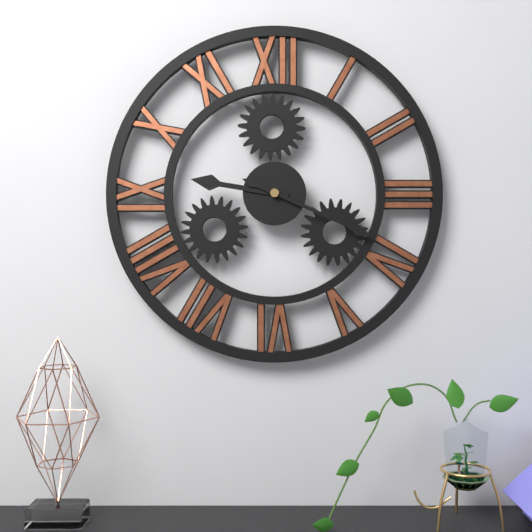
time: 9:19
